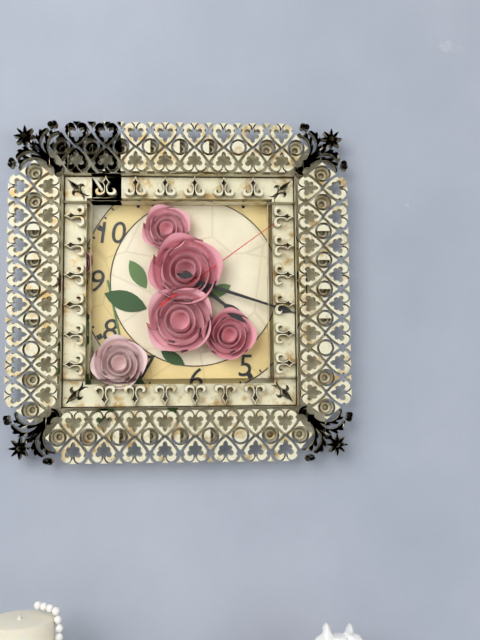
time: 4:18:09
